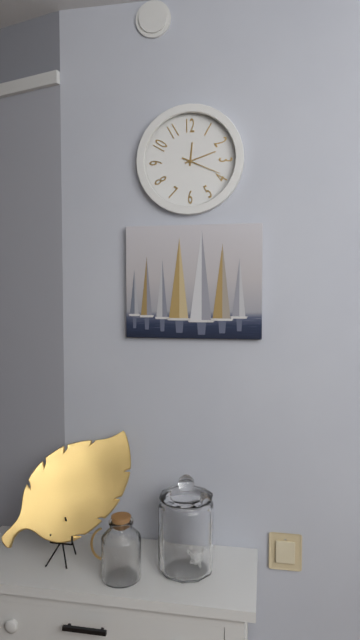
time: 12:12
